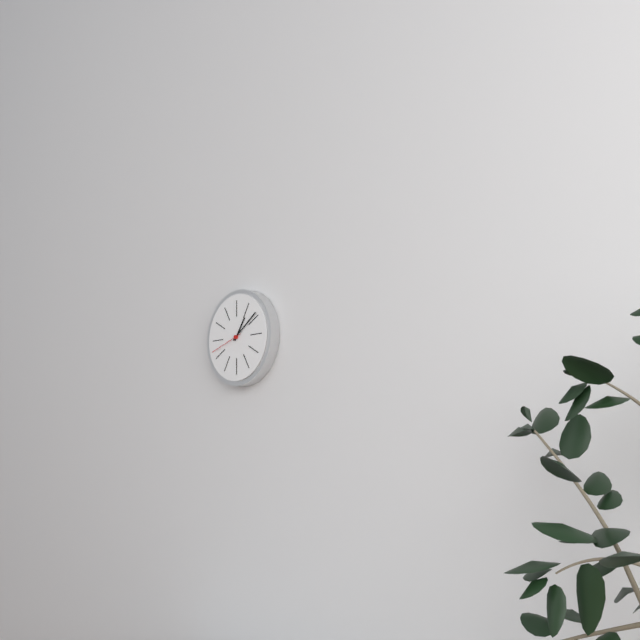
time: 1:09
